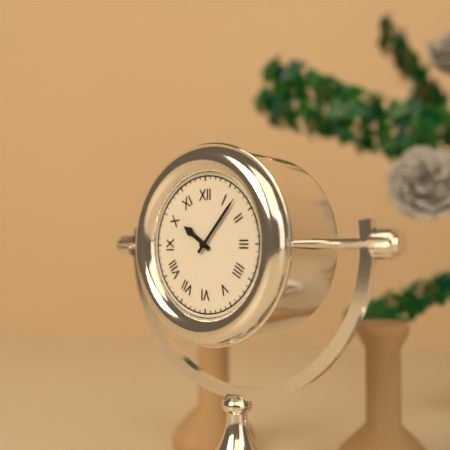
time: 10:07
